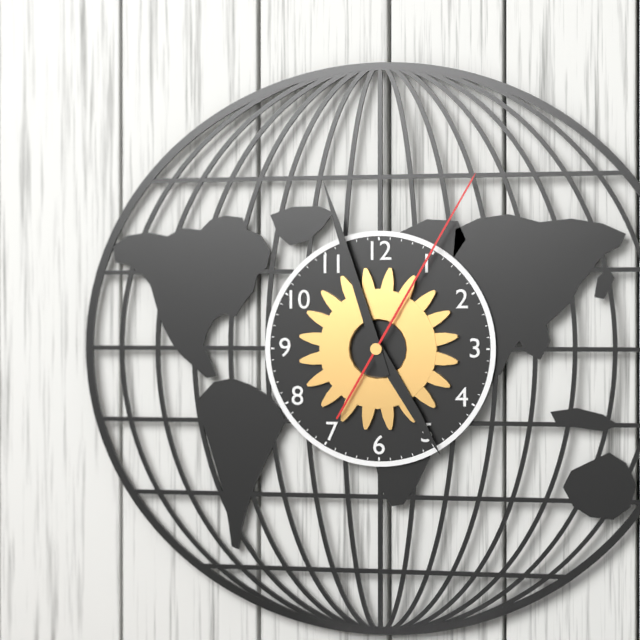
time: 4:57:05
